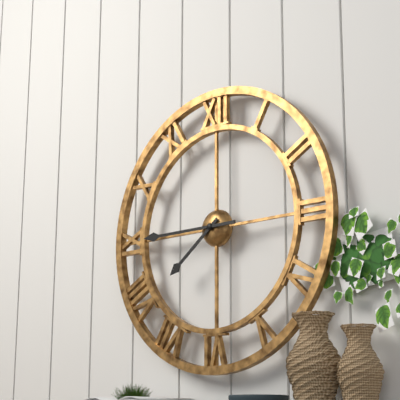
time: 7:45
